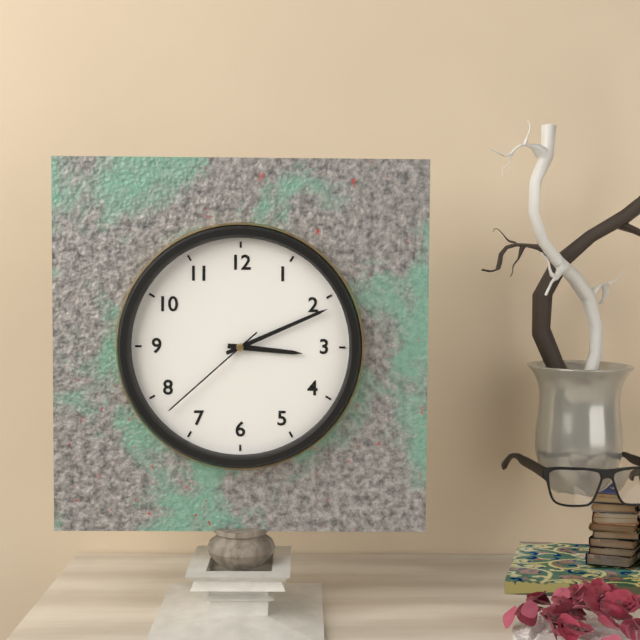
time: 3:11:38
